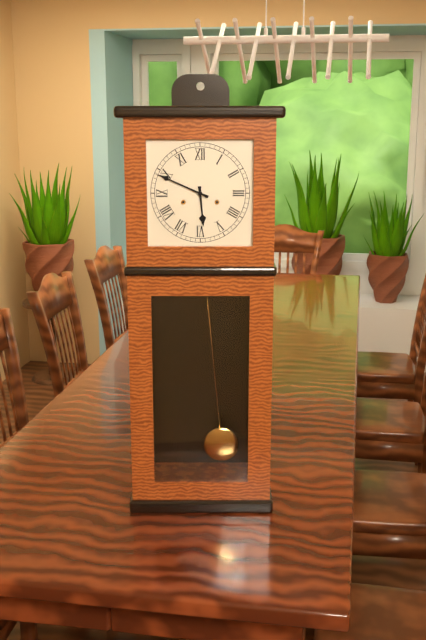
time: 5:49
